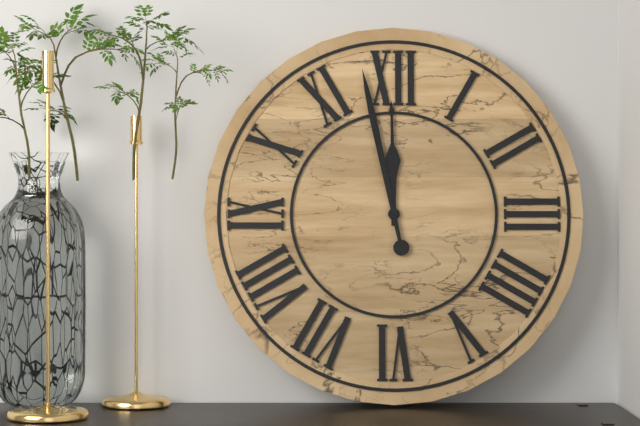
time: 11:58
